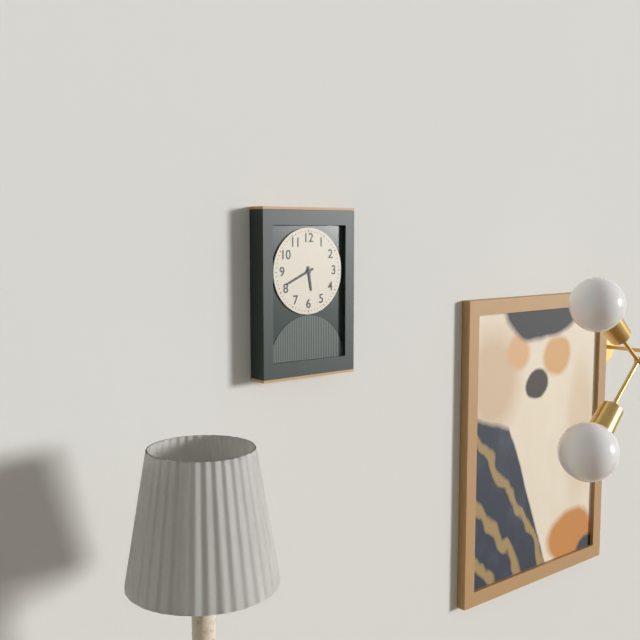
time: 5:41
